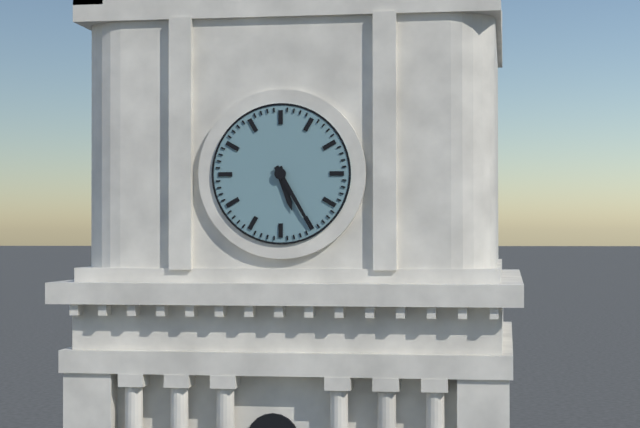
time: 5:25
